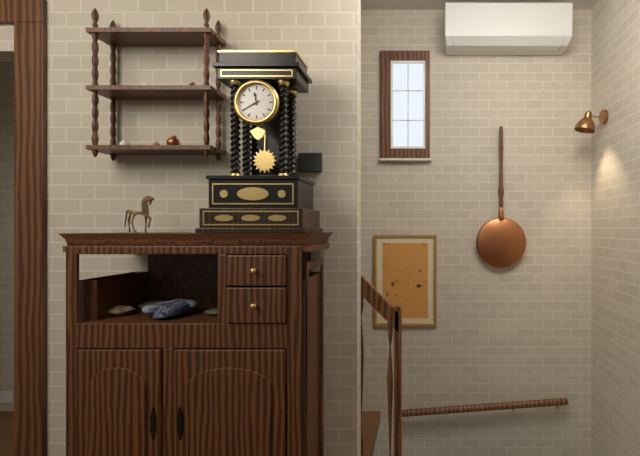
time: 11:40
